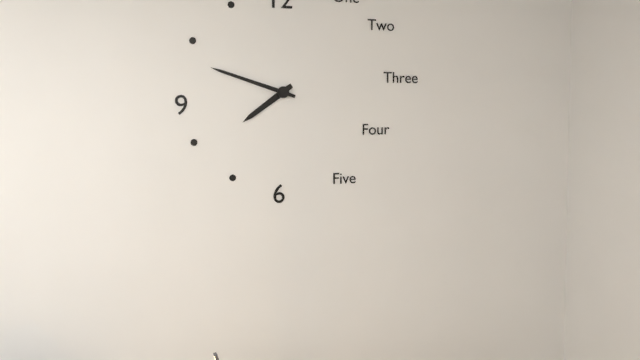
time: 7:48
